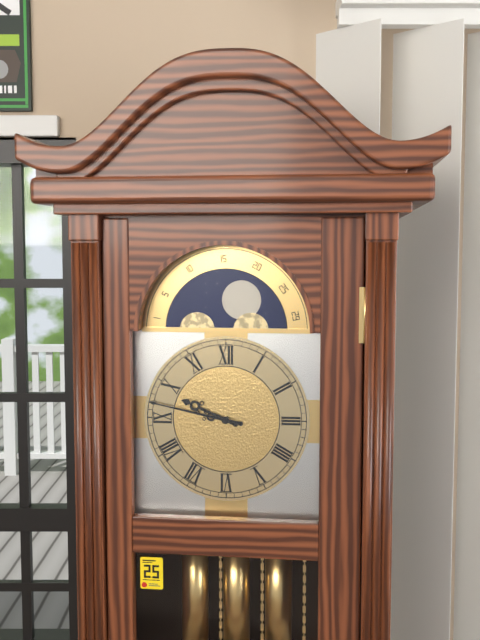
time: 9:47
